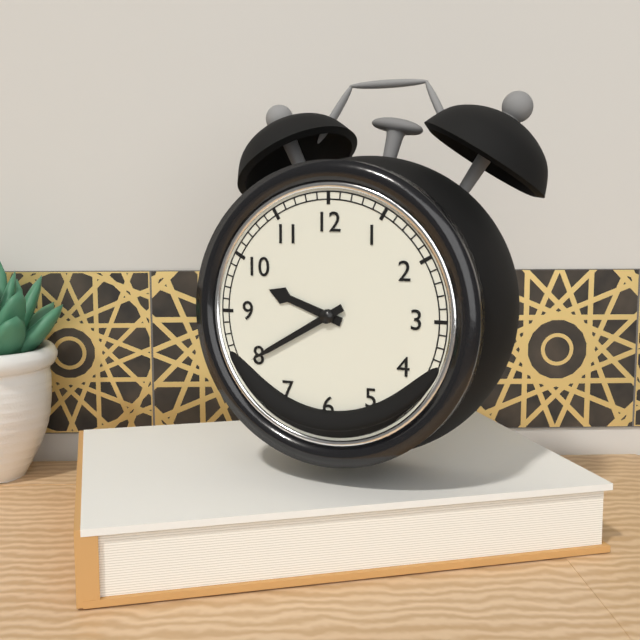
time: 9:40
